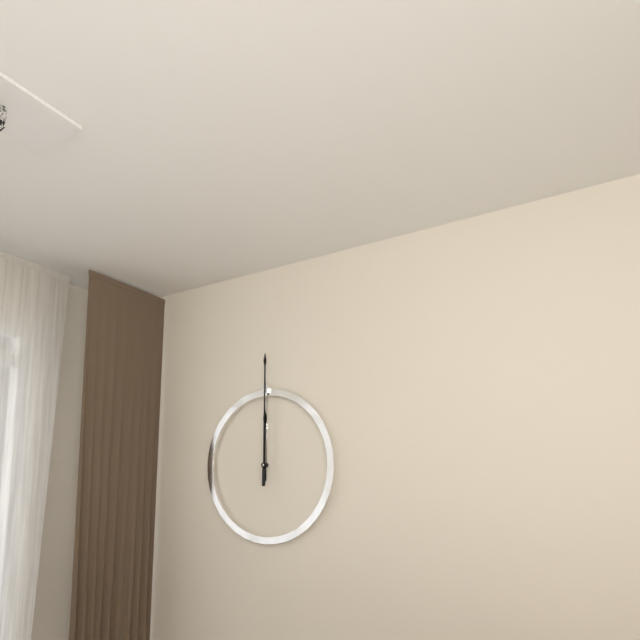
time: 12:00
